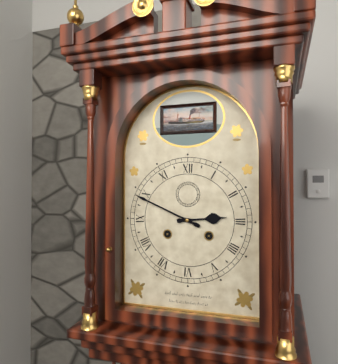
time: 2:49
